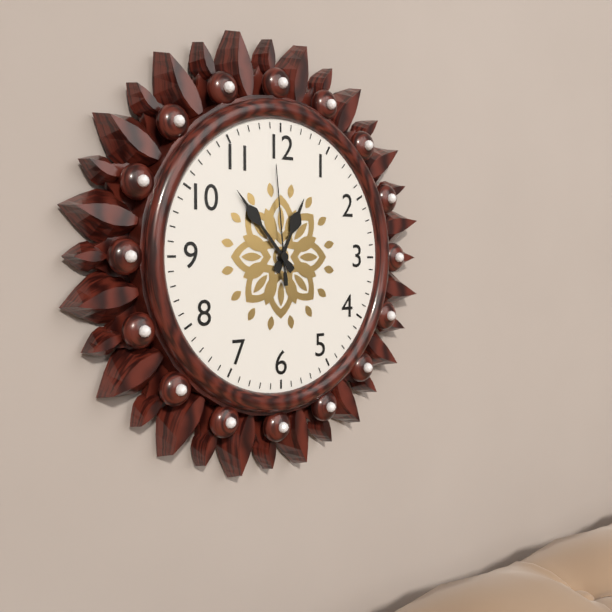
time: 12:53:59
